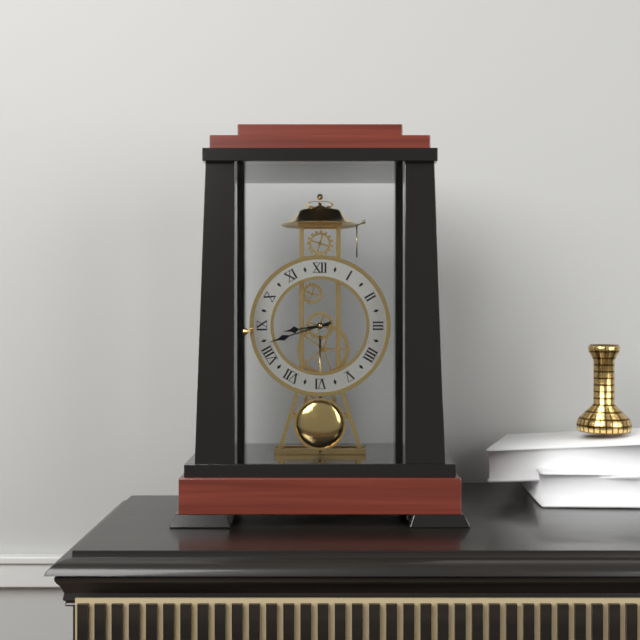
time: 8:42
